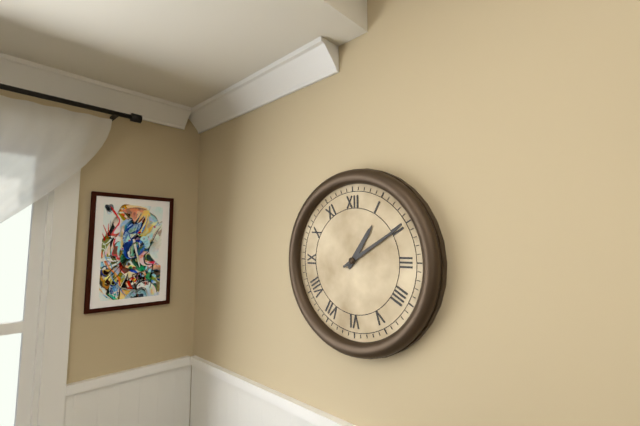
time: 1:10
